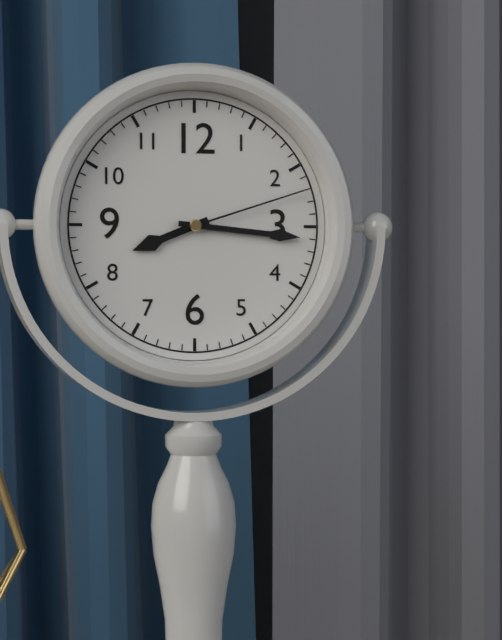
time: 8:16:12
